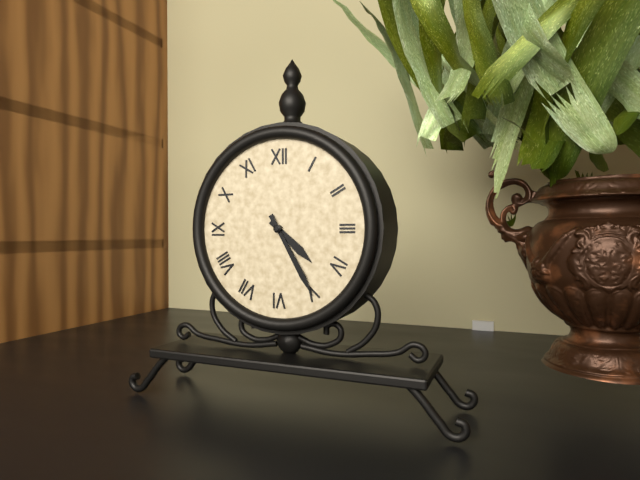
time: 4:25
